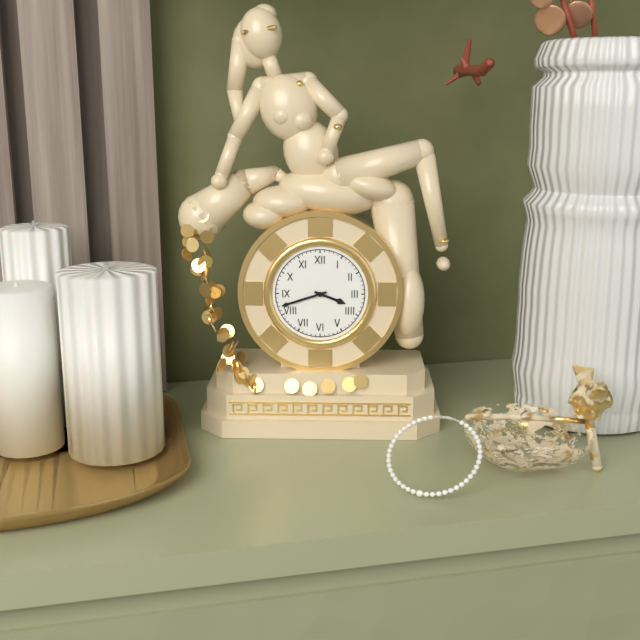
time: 3:42
